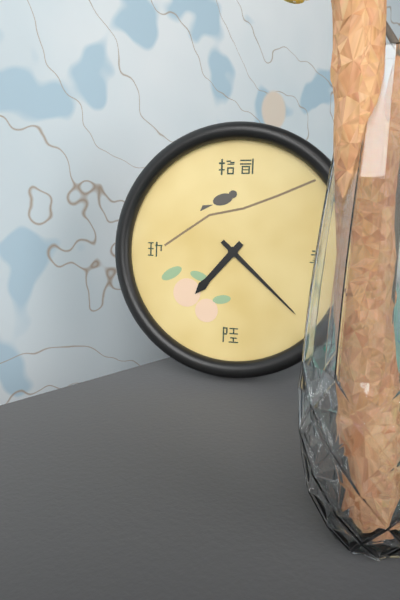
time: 7:22
